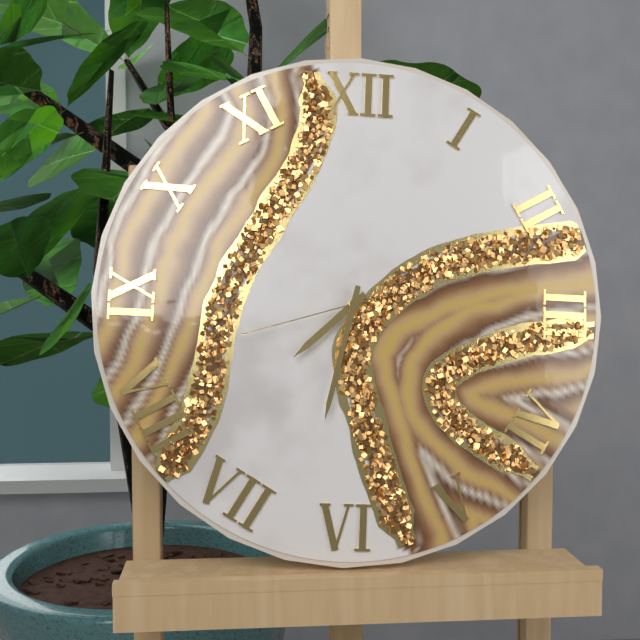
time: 7:32:42
